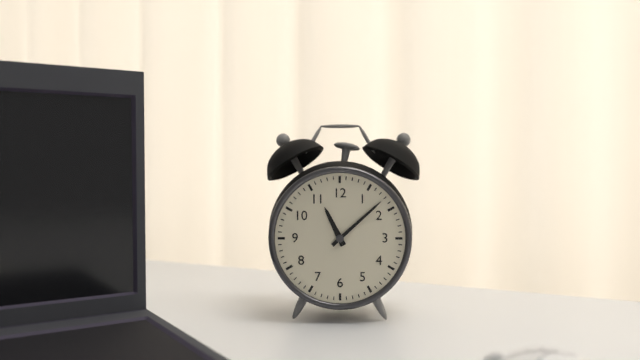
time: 11:08
